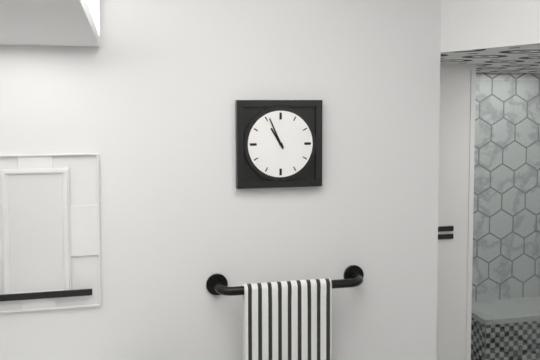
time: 10:56
